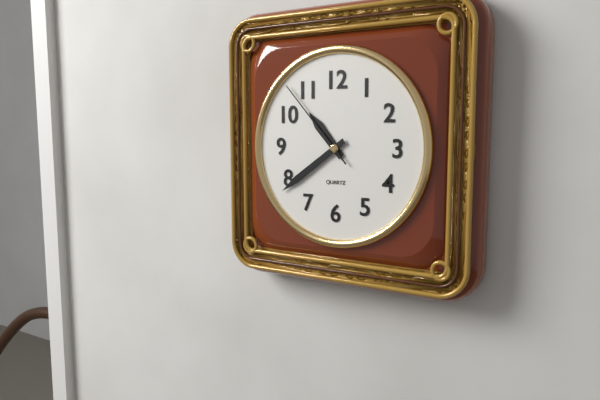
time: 10:39:53
